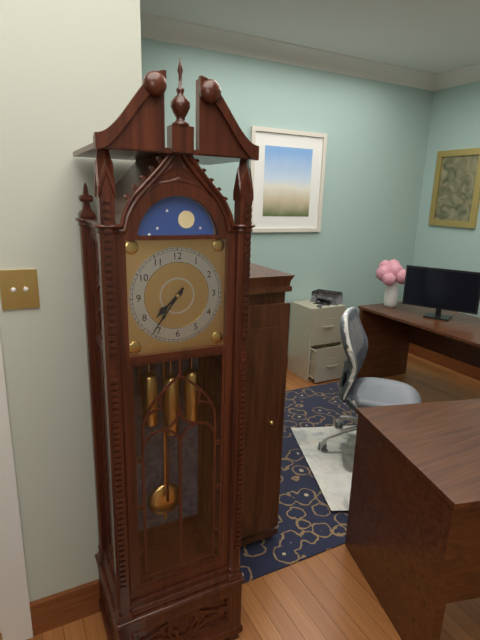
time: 7:36
